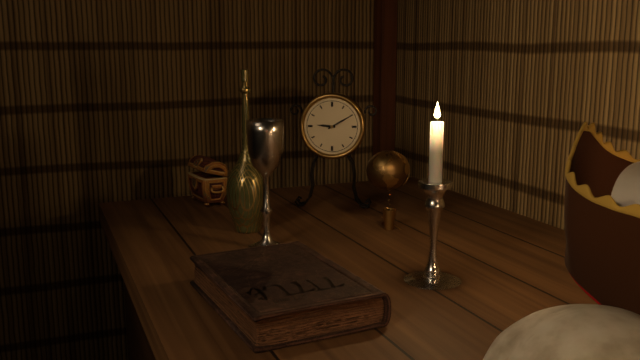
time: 9:10
